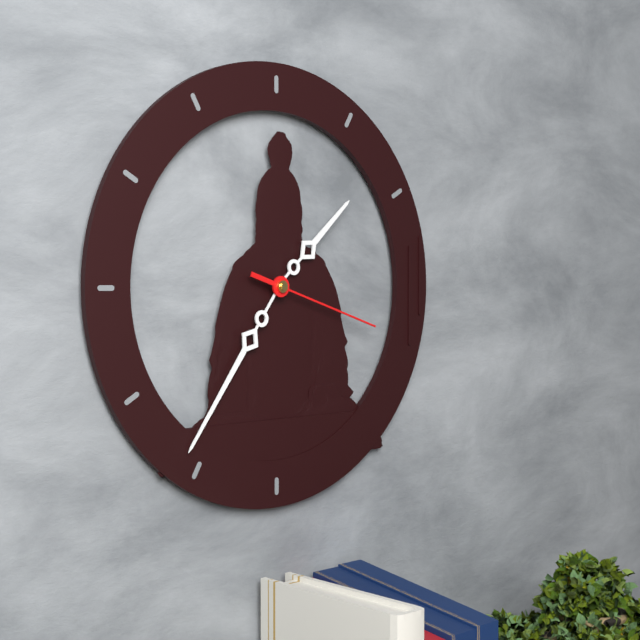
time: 1:36:18
